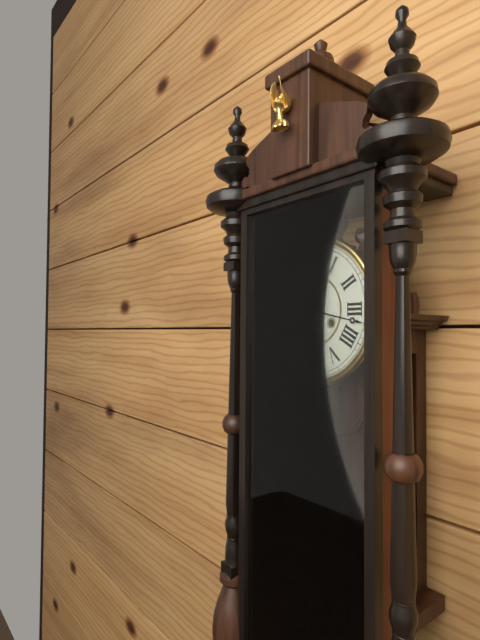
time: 8:17
